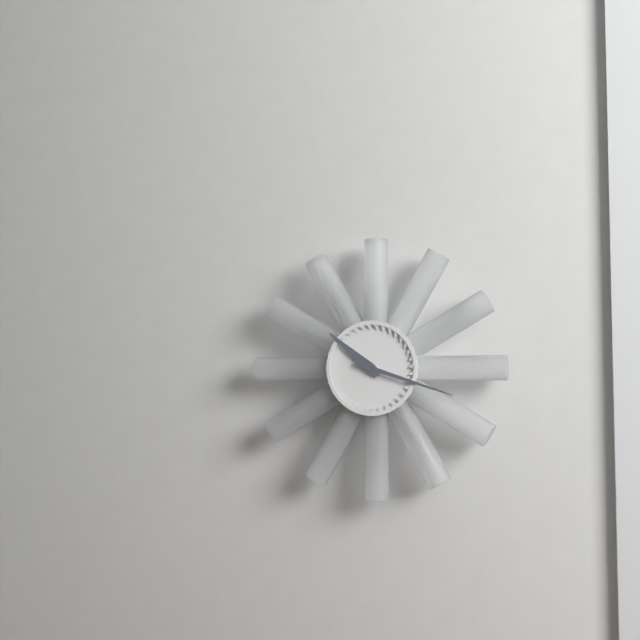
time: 10:18
